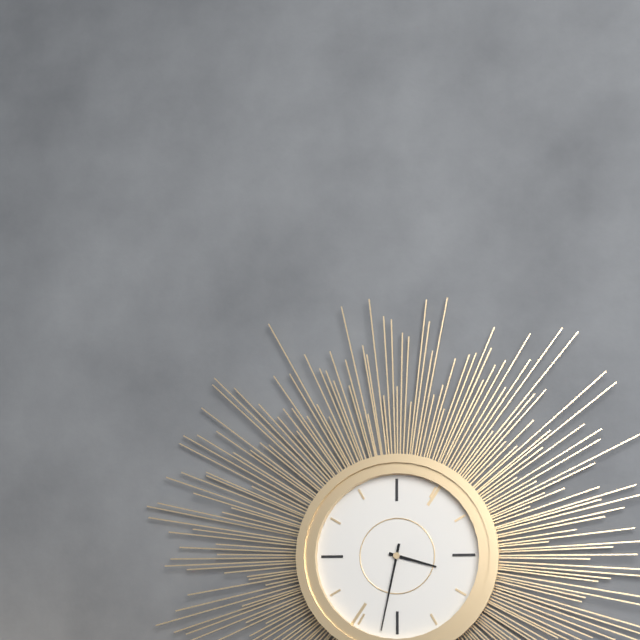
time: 3:32
